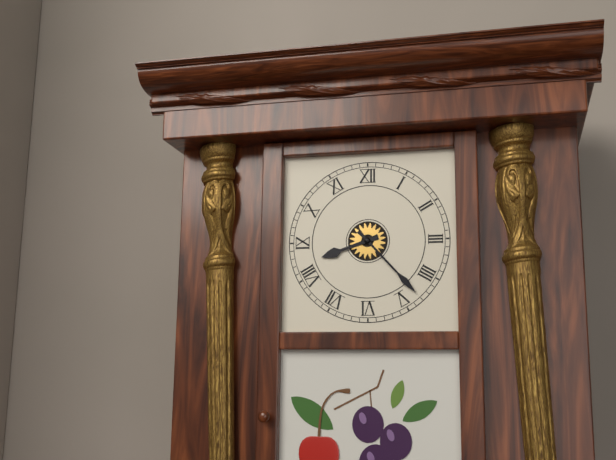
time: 8:23
